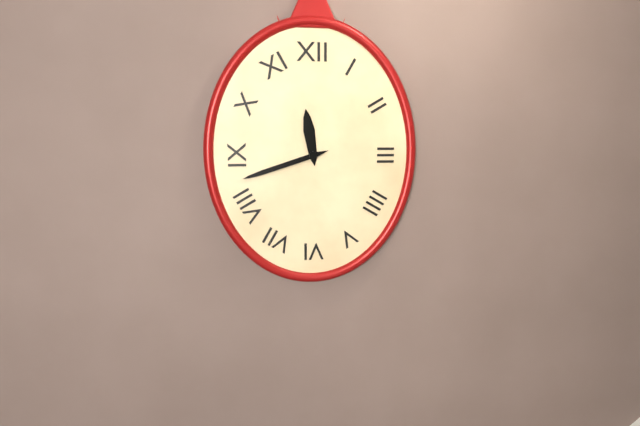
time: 11:42
